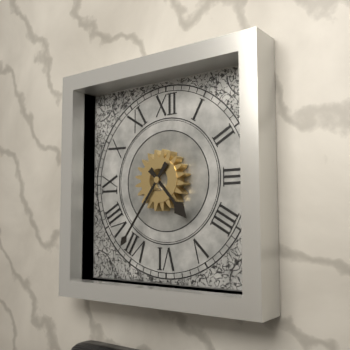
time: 4:36
